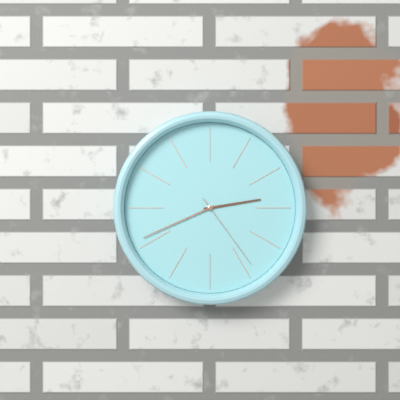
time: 2:41:24
